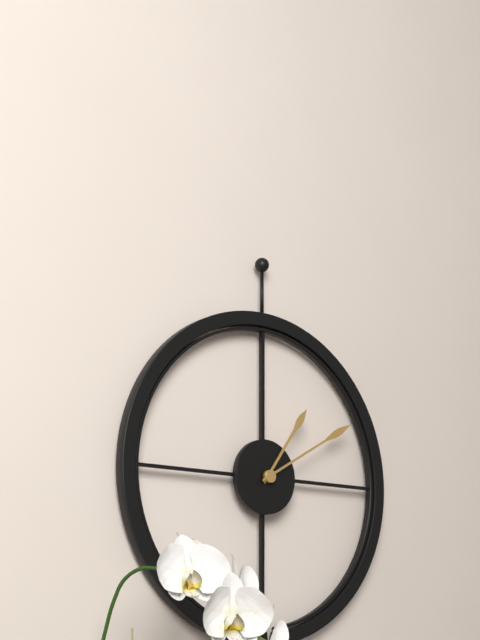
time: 1:10
